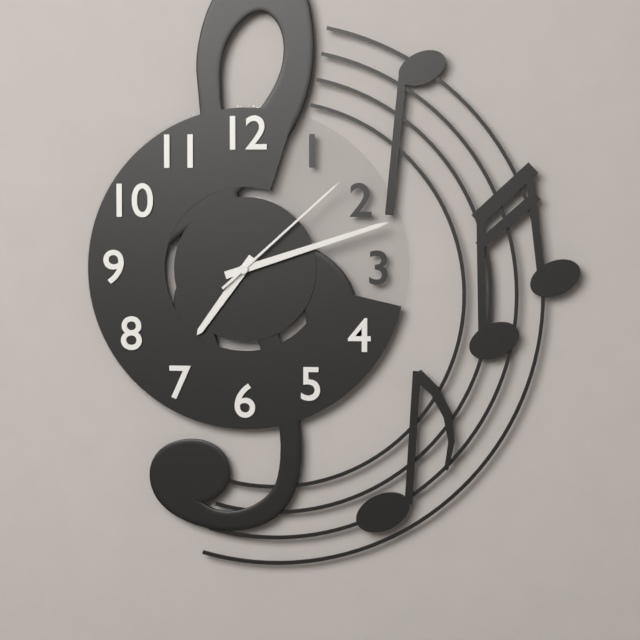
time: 7:12:08
